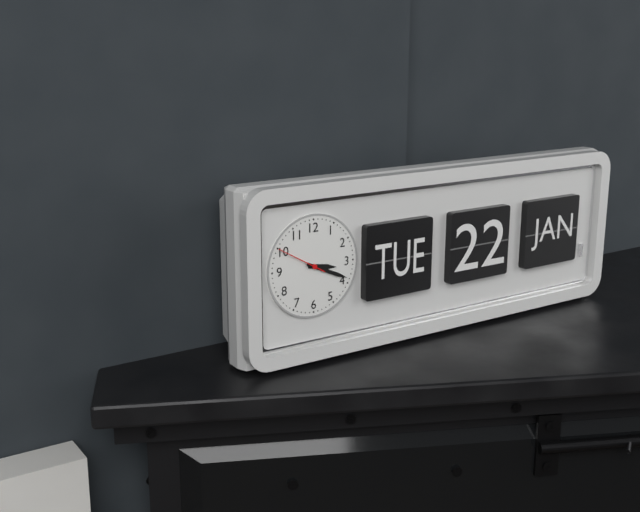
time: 3:19
